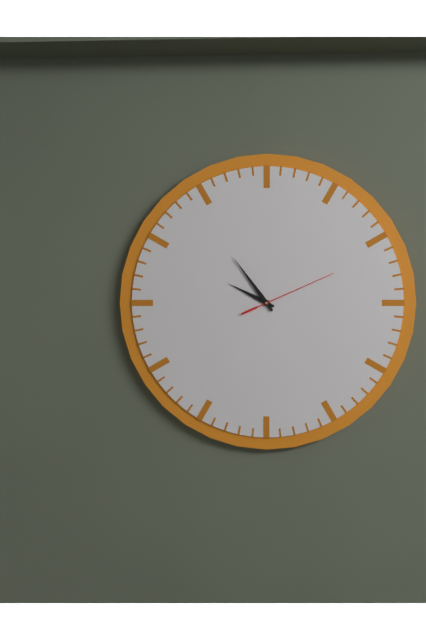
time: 9:54:11
